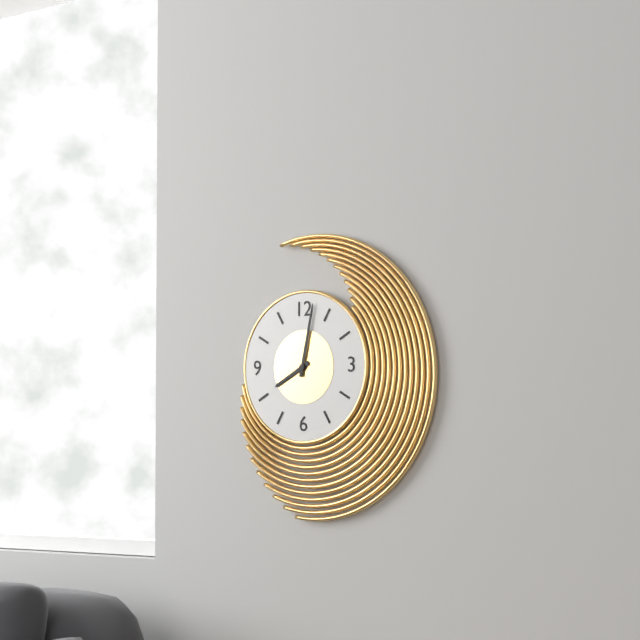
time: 8:02
